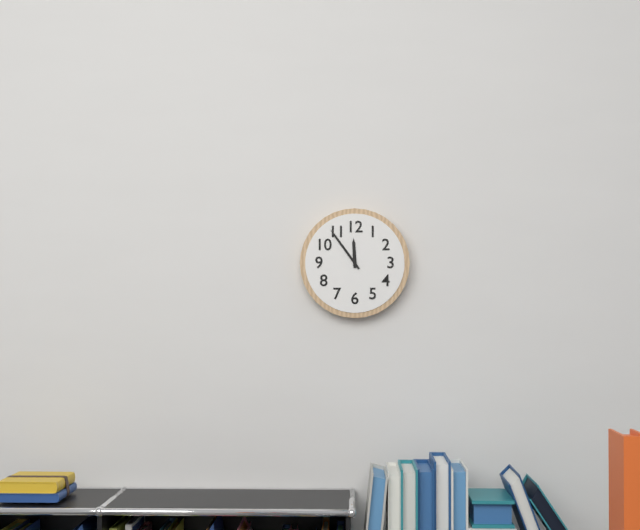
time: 11:54
